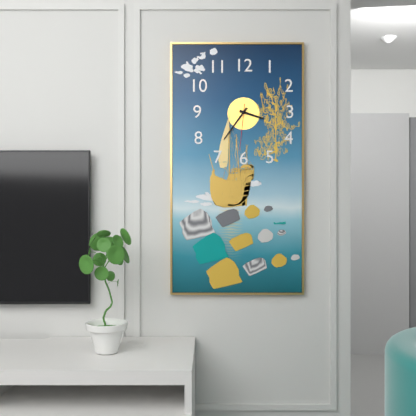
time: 3:36
